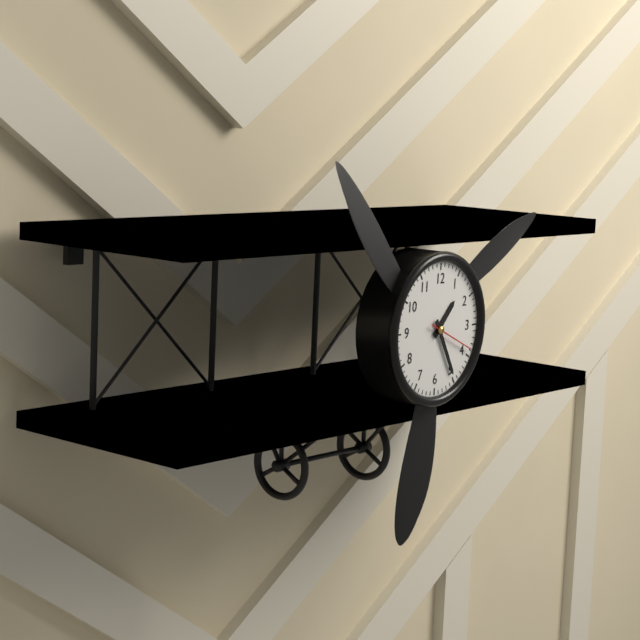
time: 1:25
